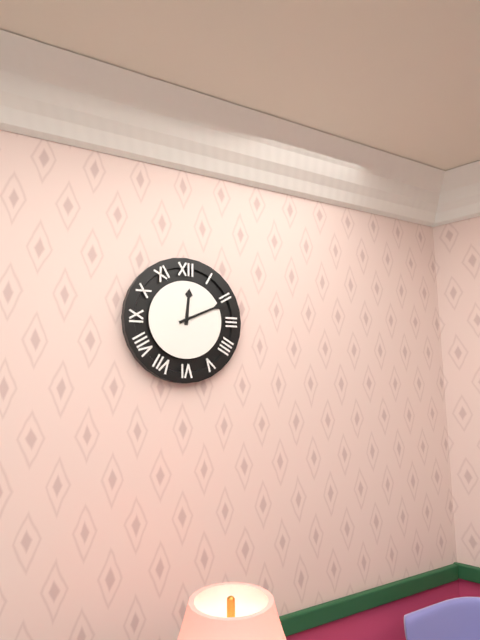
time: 12:11
